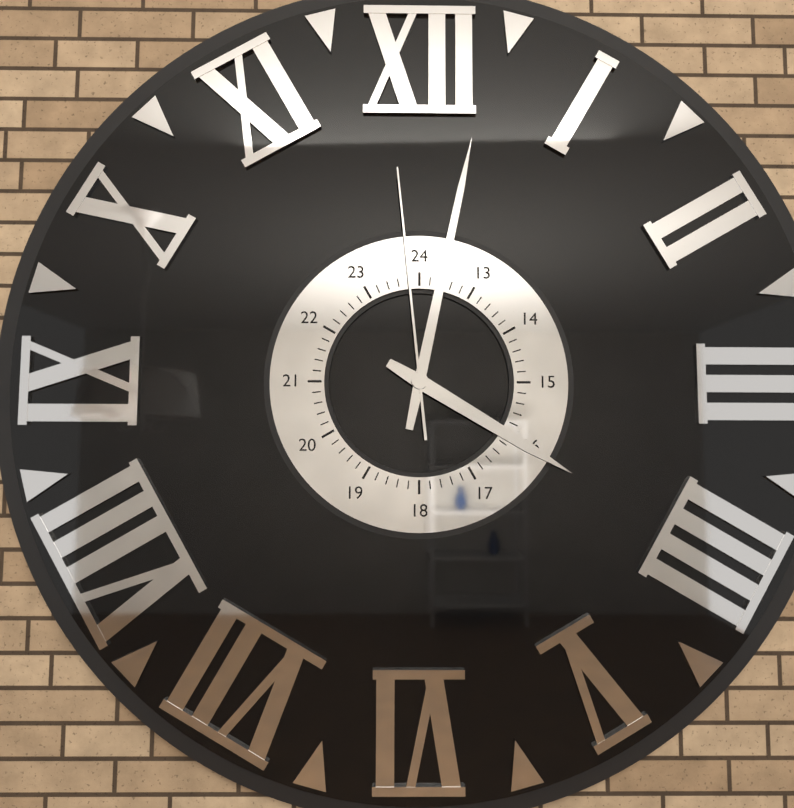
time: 4:02:59
